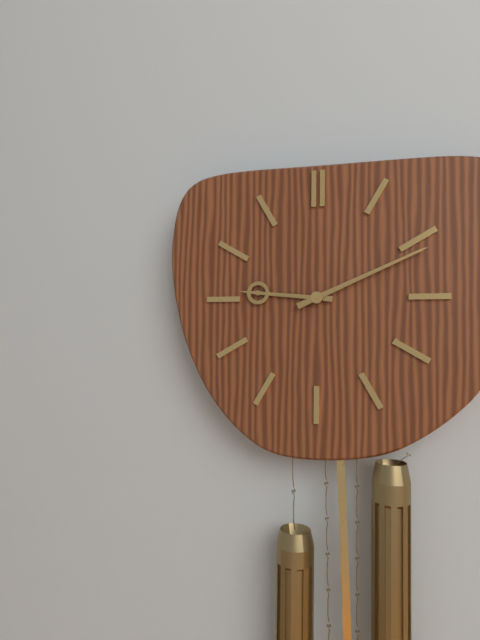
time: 9:11
